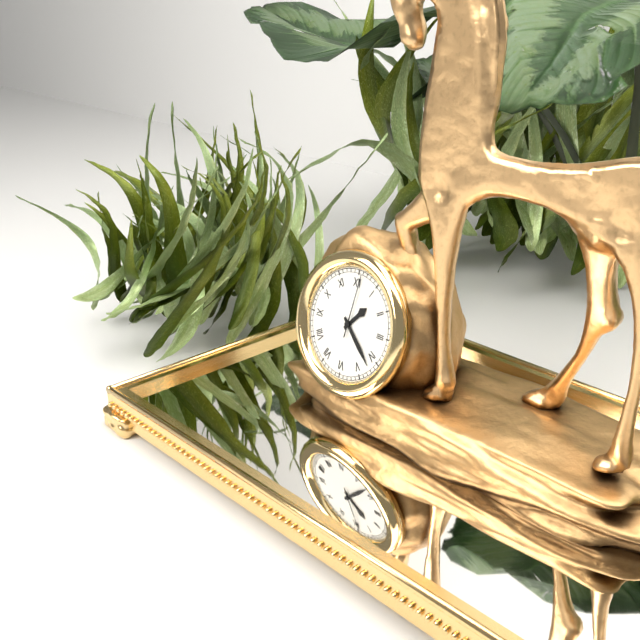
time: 1:22:01
